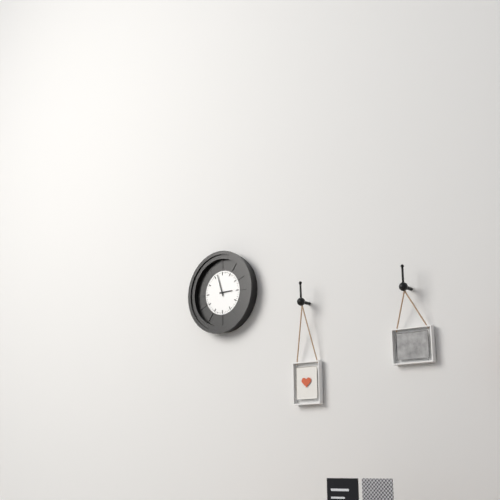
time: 2:57
